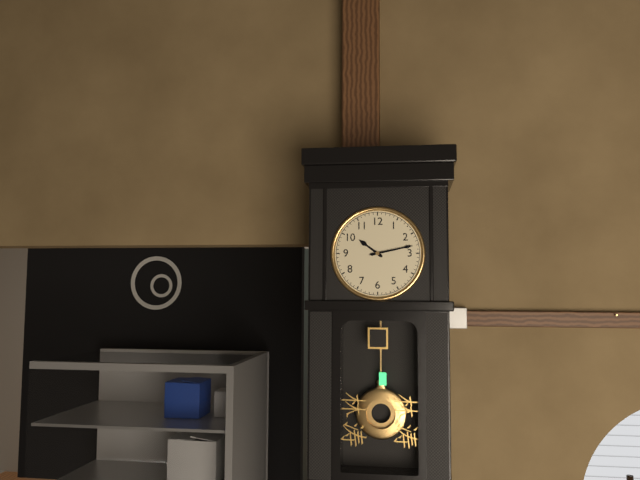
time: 10:13
